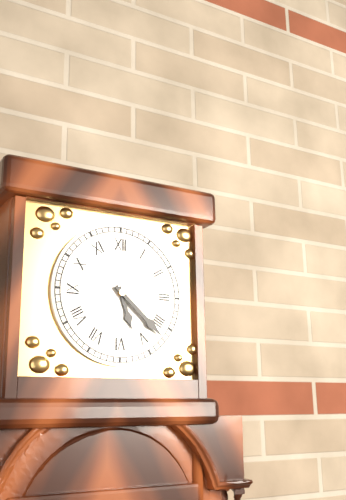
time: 5:22
